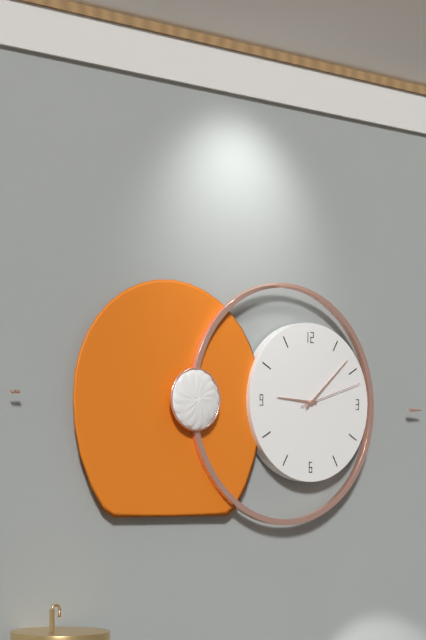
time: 9:08:12
